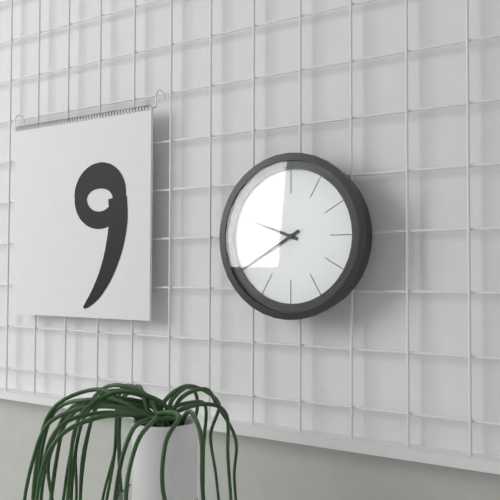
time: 9:40
